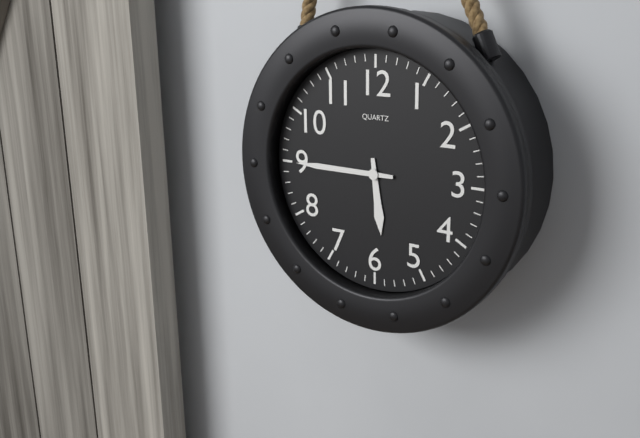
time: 5:45
